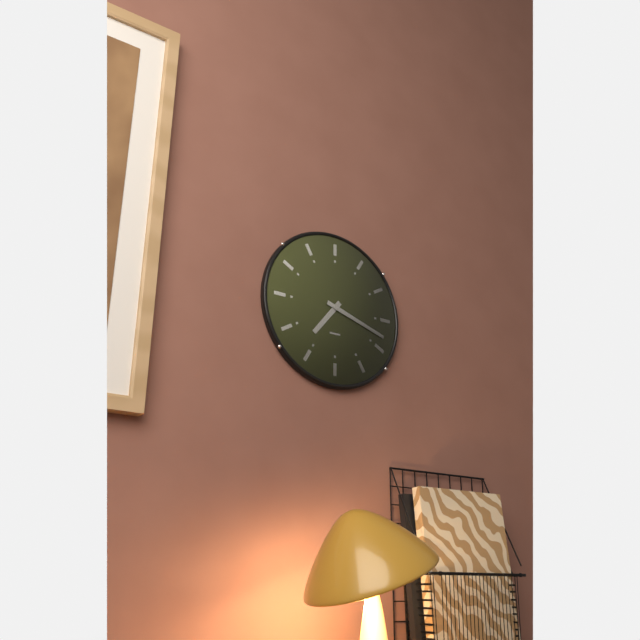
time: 7:18
